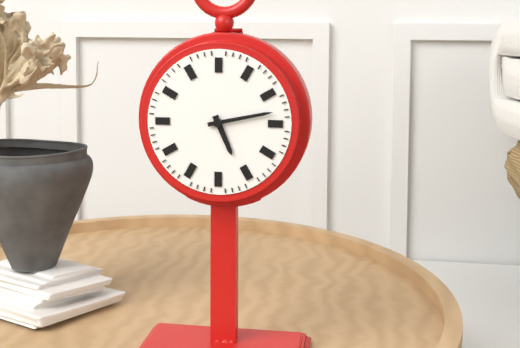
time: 5:13
